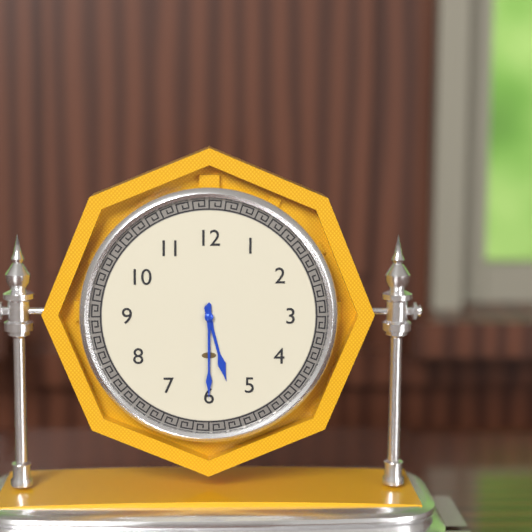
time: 5:30
